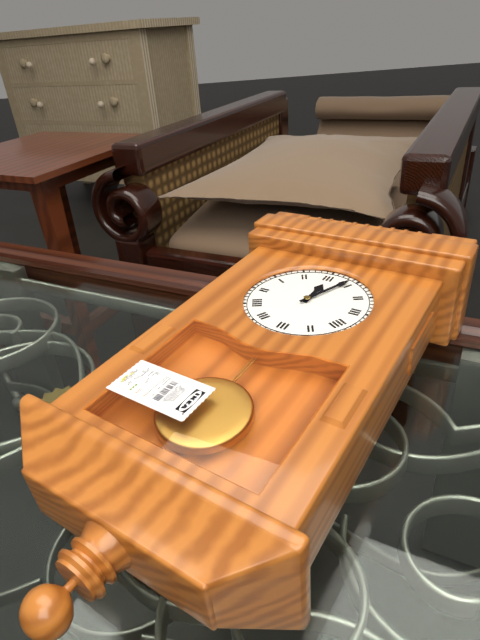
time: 12:04
